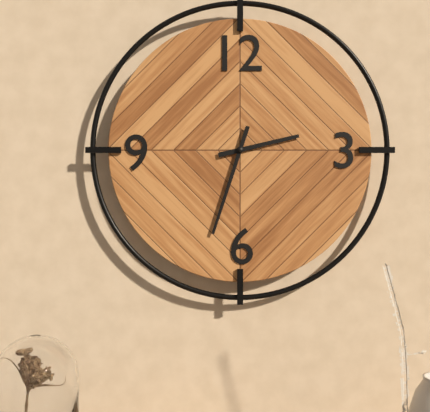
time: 2:33
